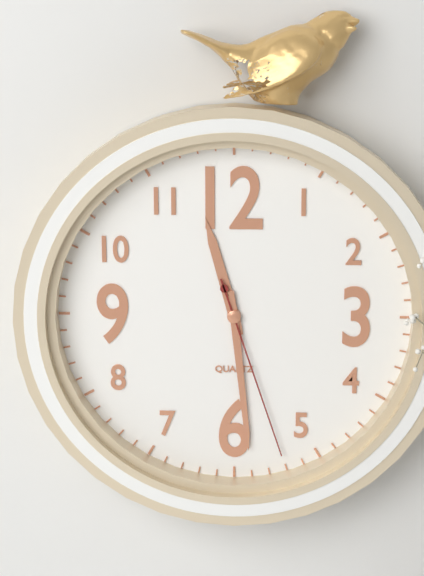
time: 11:29:27
